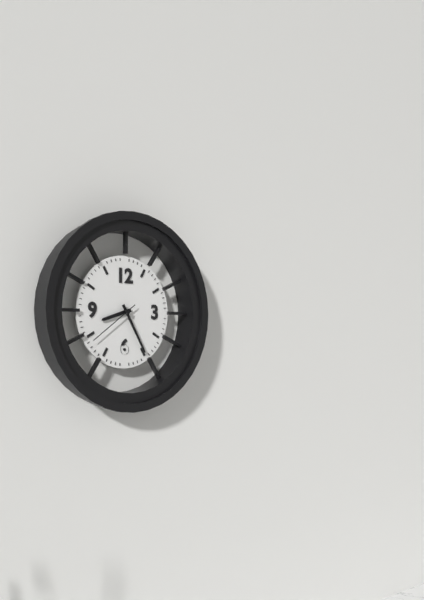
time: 8:25:39
